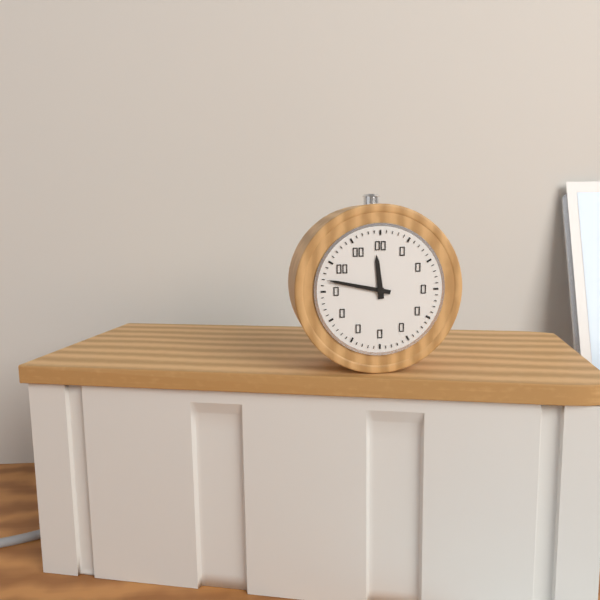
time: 11:47
